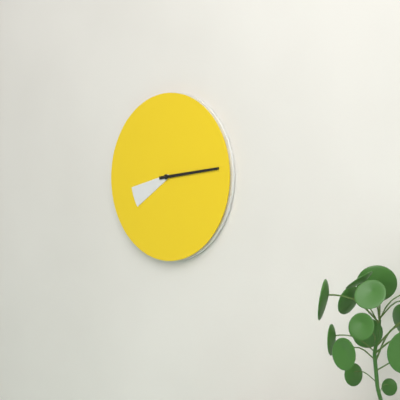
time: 8:14
